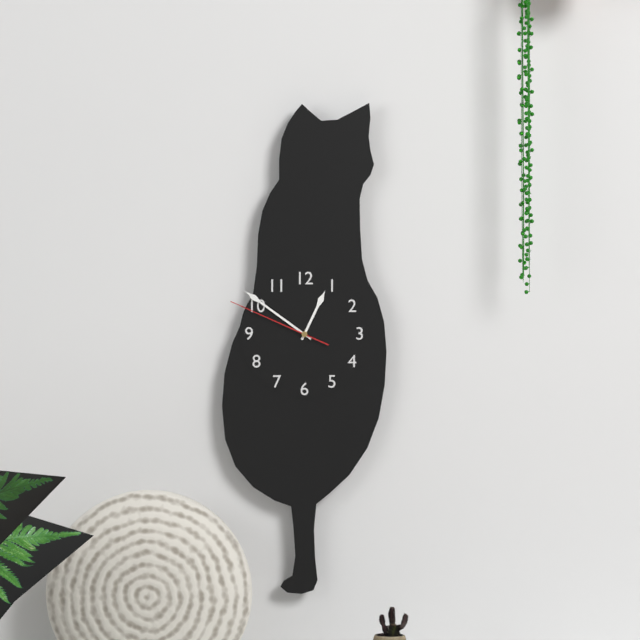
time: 12:51:49
